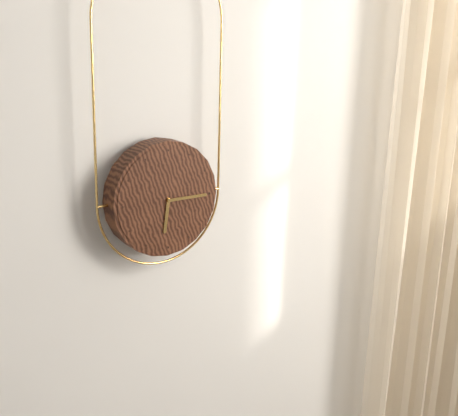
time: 6:15
